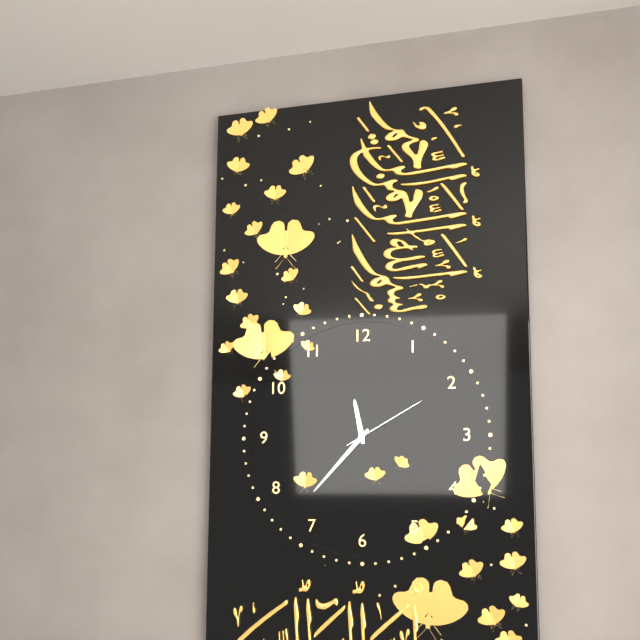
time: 11:37:10
